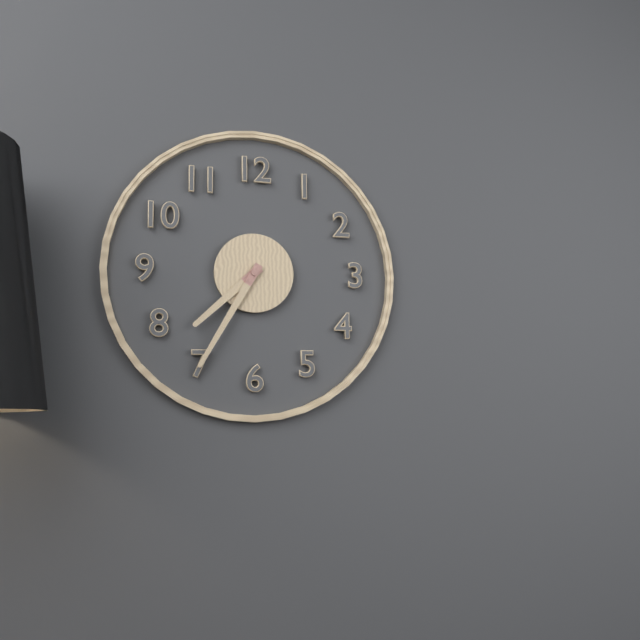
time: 7:35
